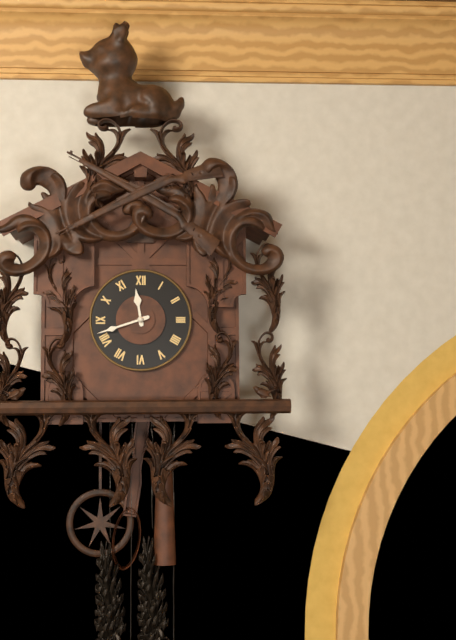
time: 11:42
